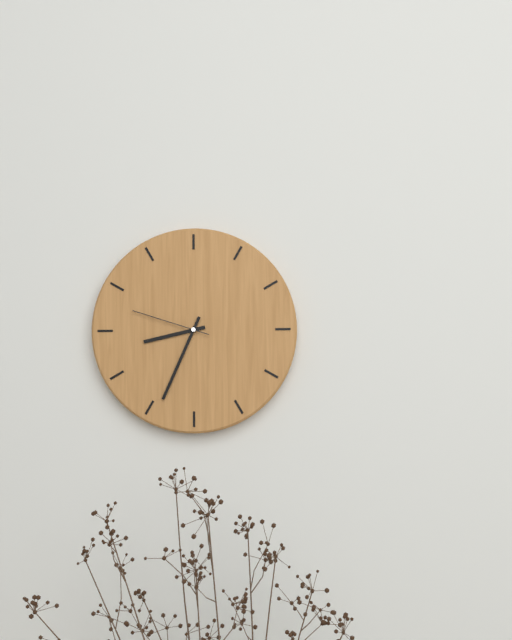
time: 8:34:48
